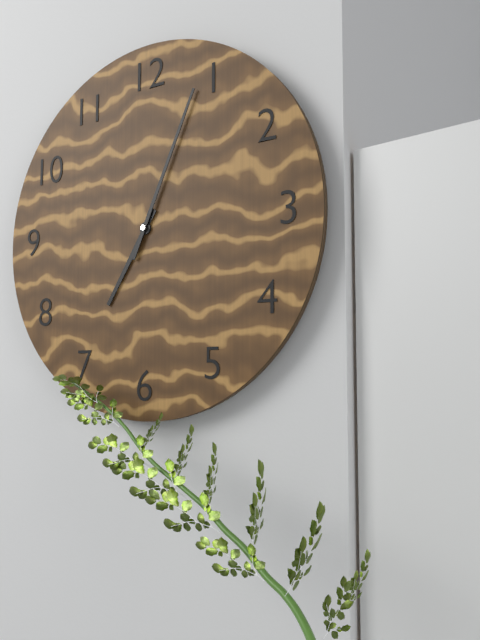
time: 7:04
